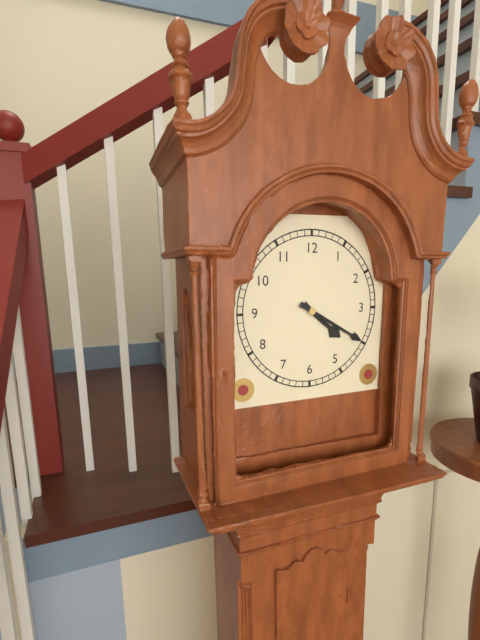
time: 4:20
